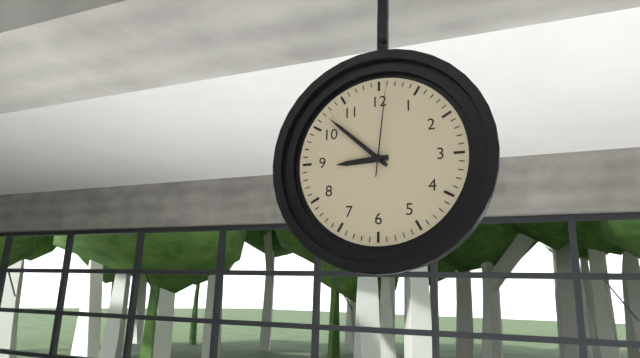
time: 8:52:01
